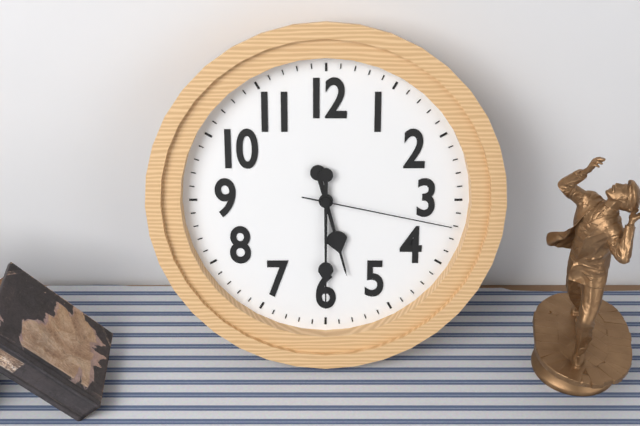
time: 5:30:17
